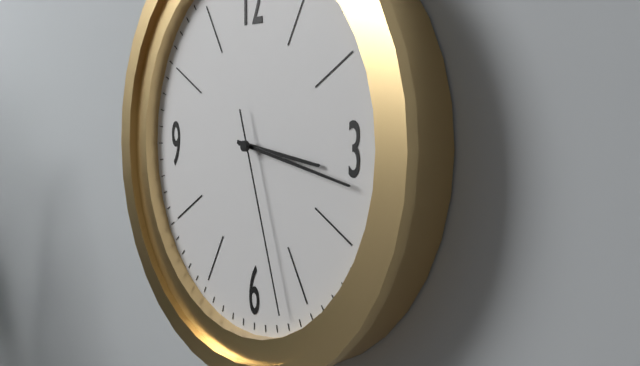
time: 3:17:27
